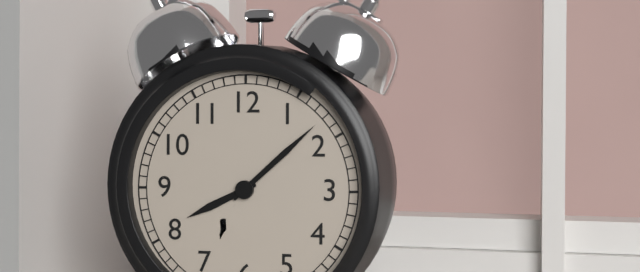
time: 8:08
